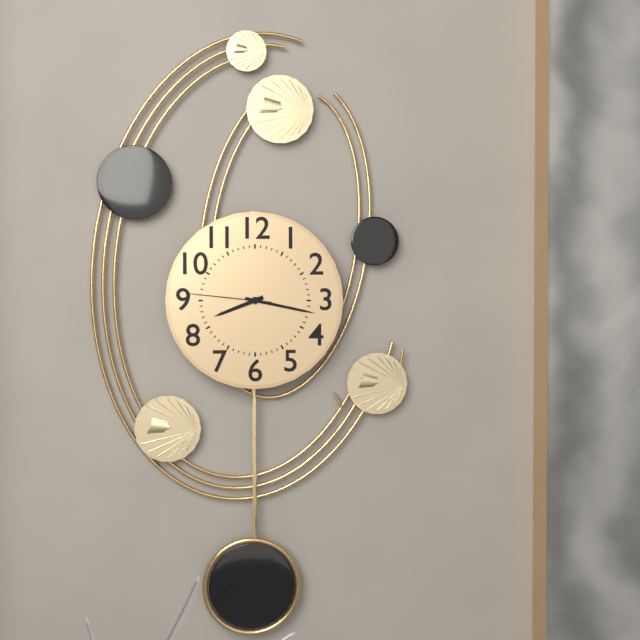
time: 8:17:46
